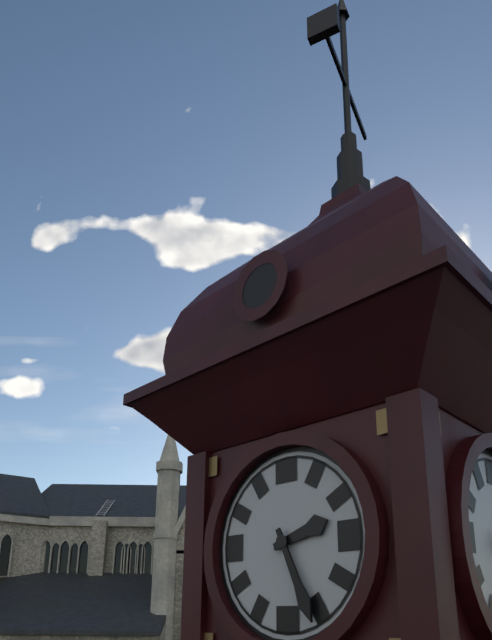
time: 2:26
